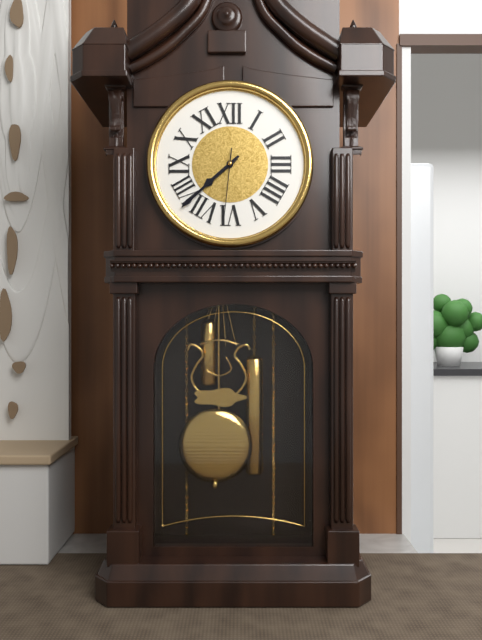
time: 7:38:31
